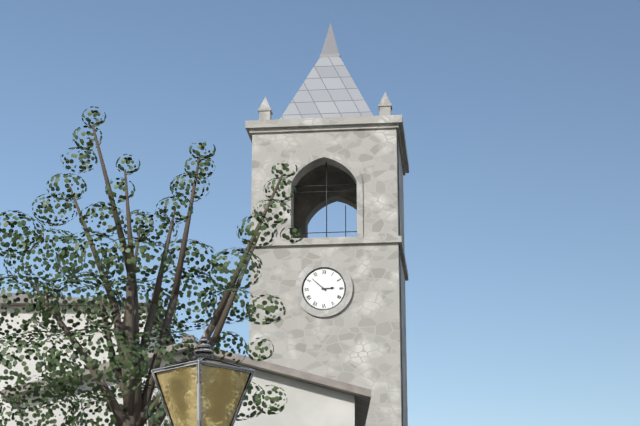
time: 2:52
